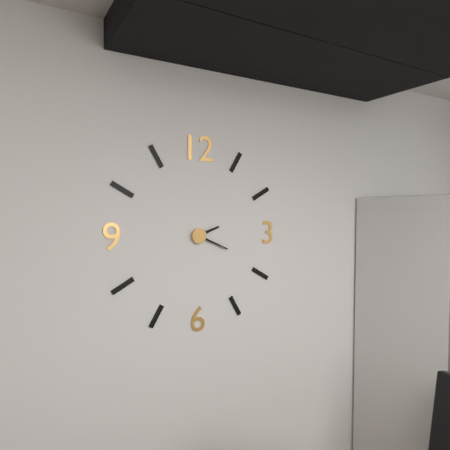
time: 2:19
